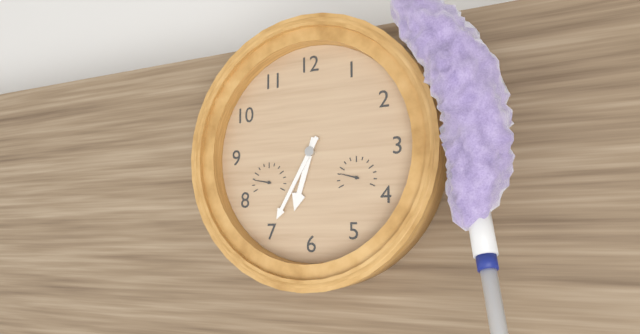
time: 6:35
